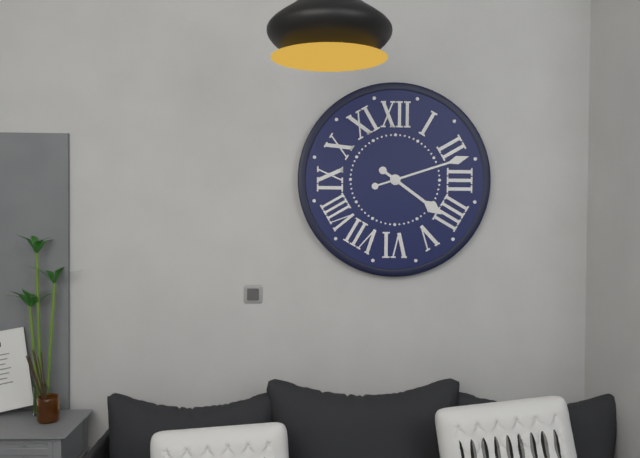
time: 4:12
